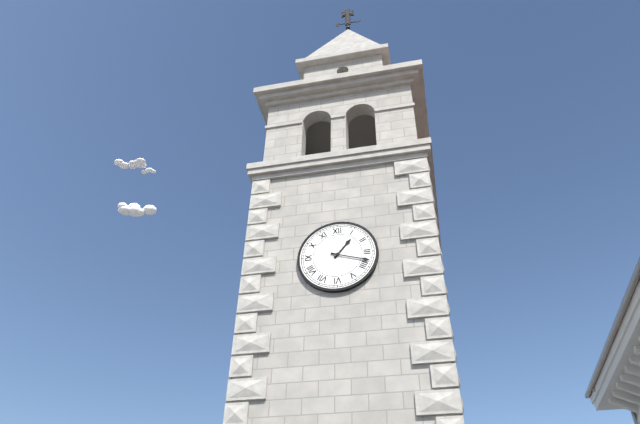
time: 1:18
